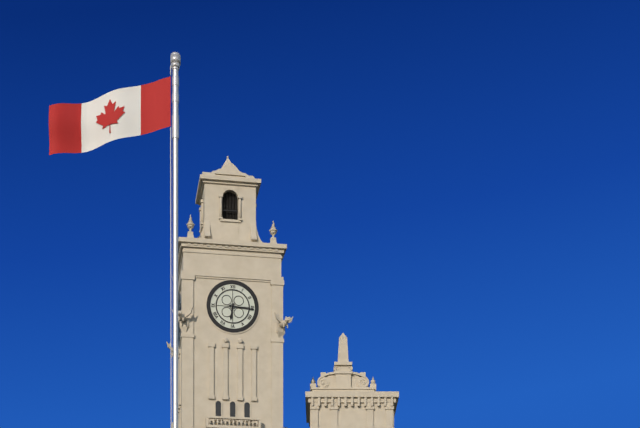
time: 6:16
